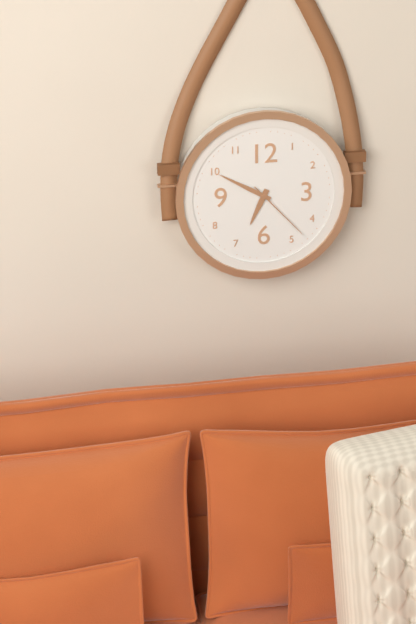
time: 6:50:23
